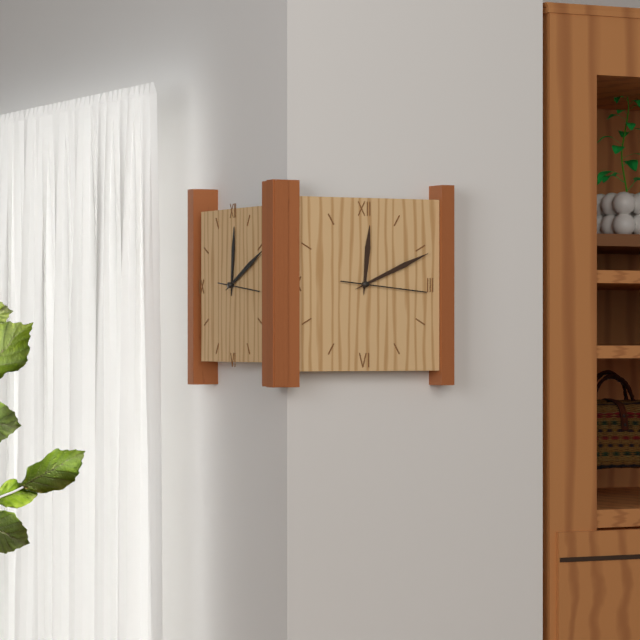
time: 12:11:16
